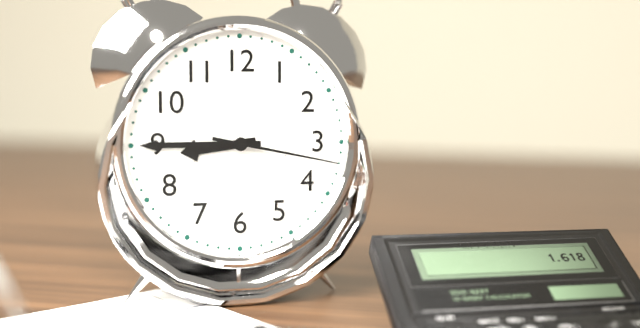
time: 8:45:17
